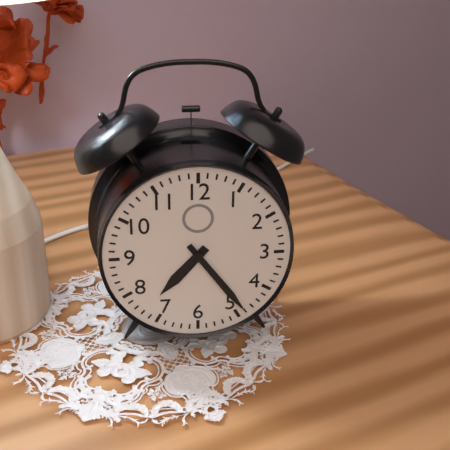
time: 7:24
